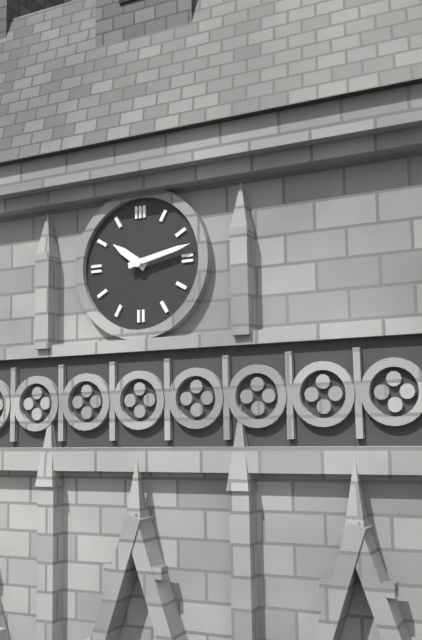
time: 10:13
